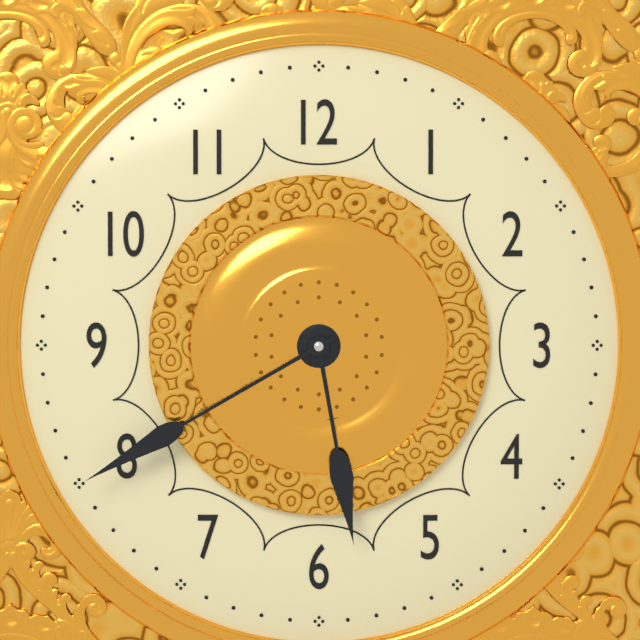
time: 5:40
